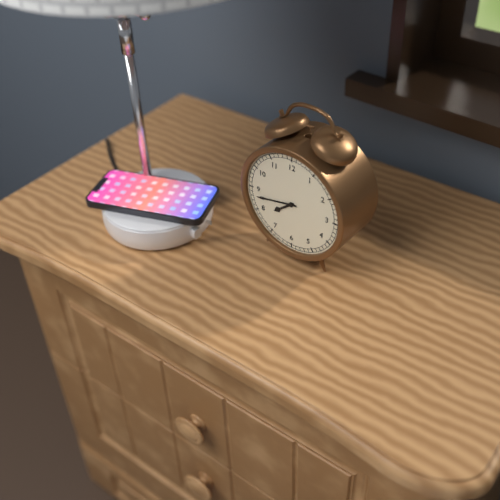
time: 7:43
